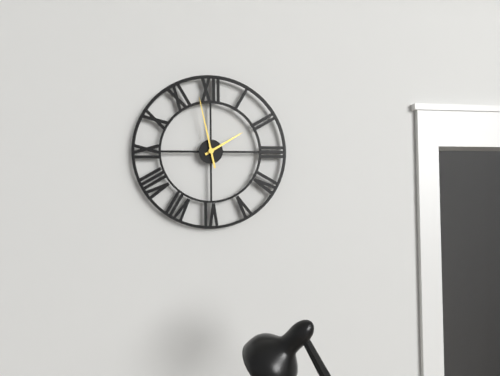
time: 1:58
